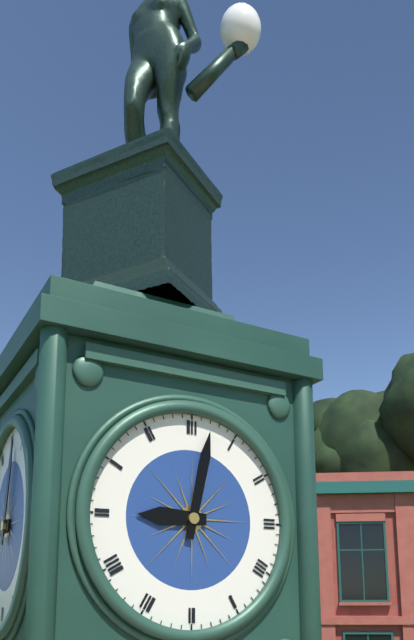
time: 9:02
